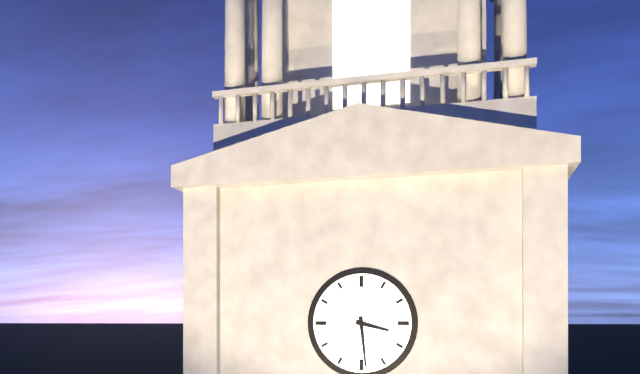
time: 3:29
